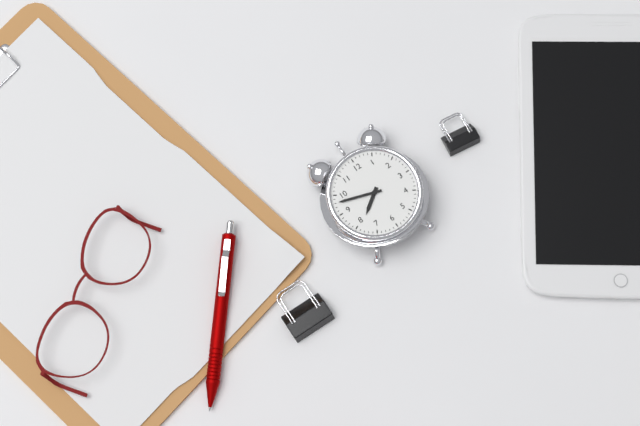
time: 7:48
